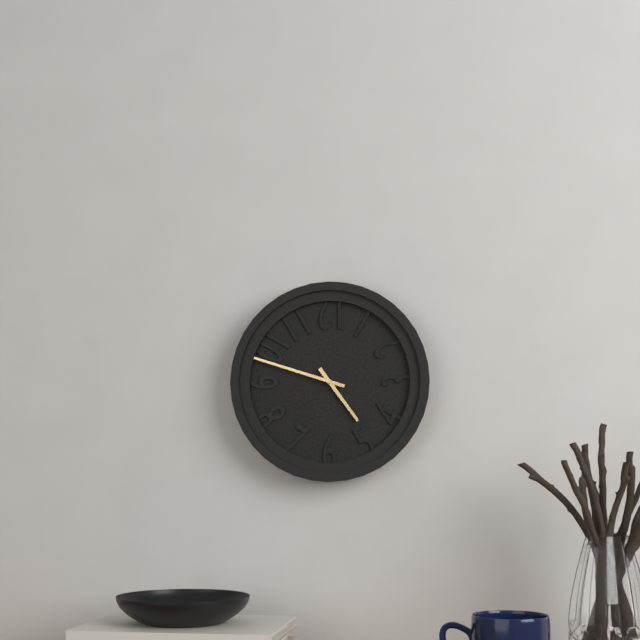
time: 4:48
